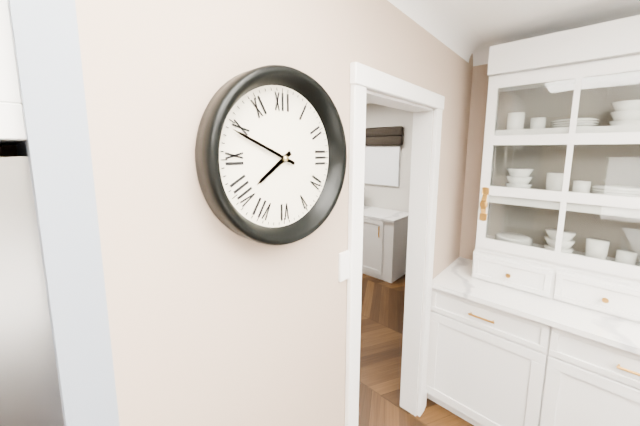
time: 7:49
